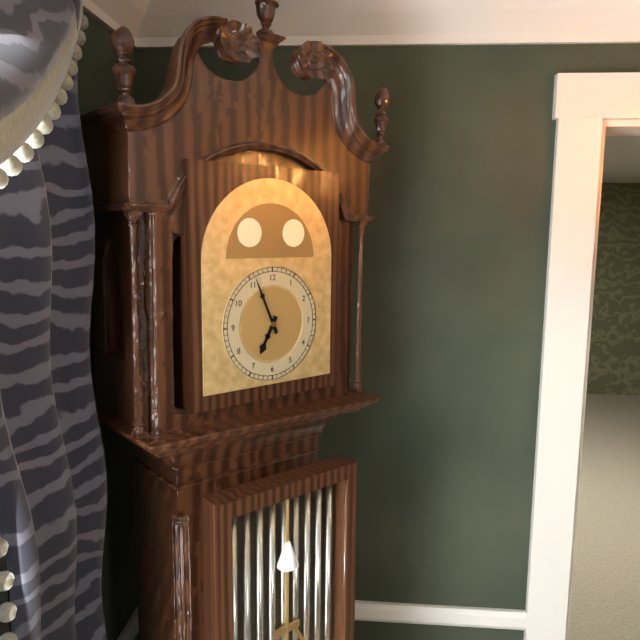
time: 6:56
